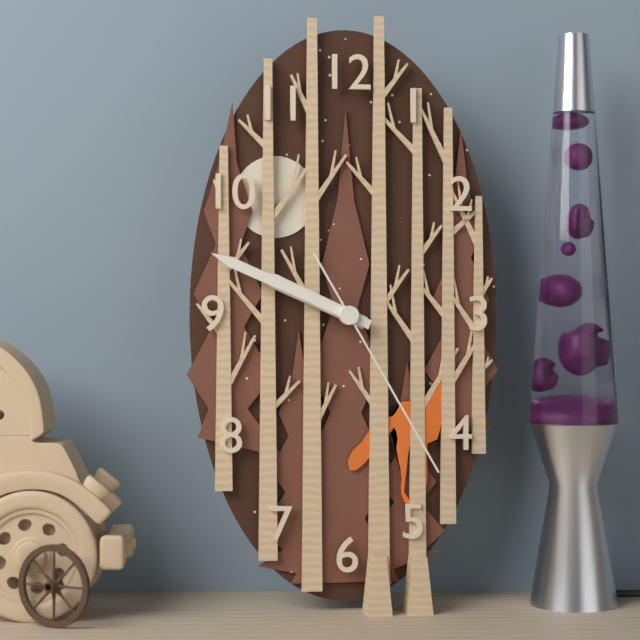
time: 9:49:25
